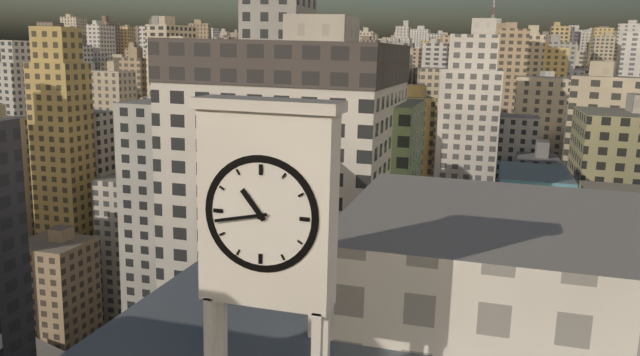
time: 10:43
